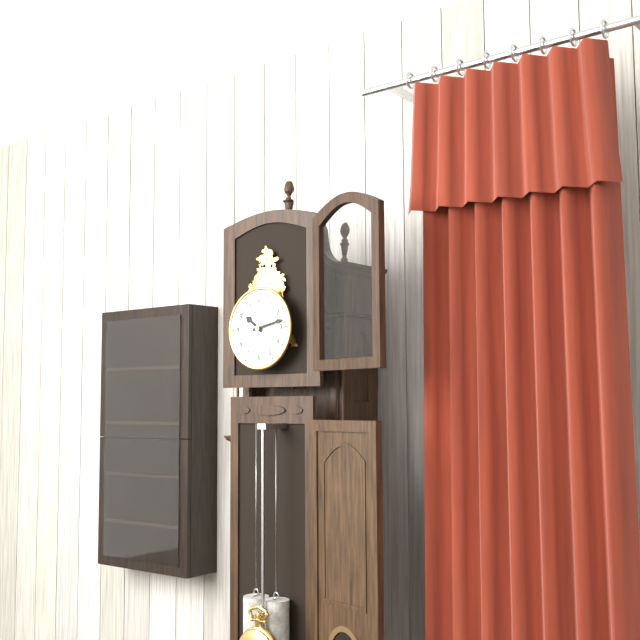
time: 10:13
